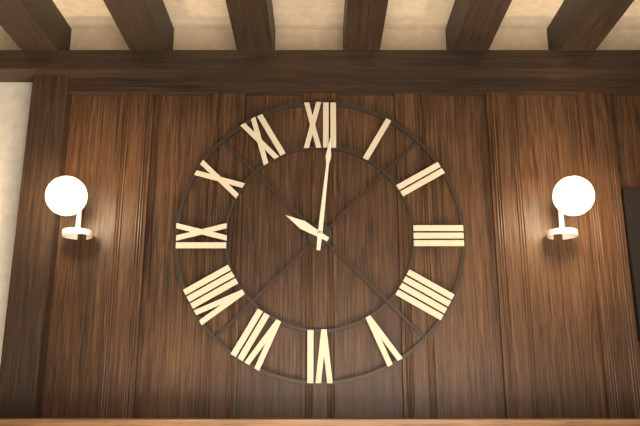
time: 10:01
